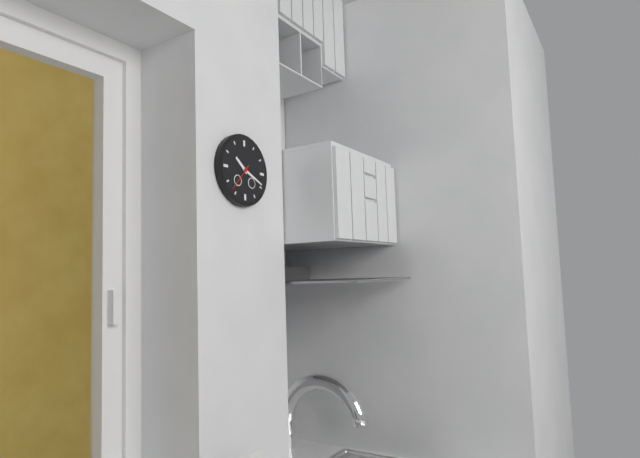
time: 10:19
